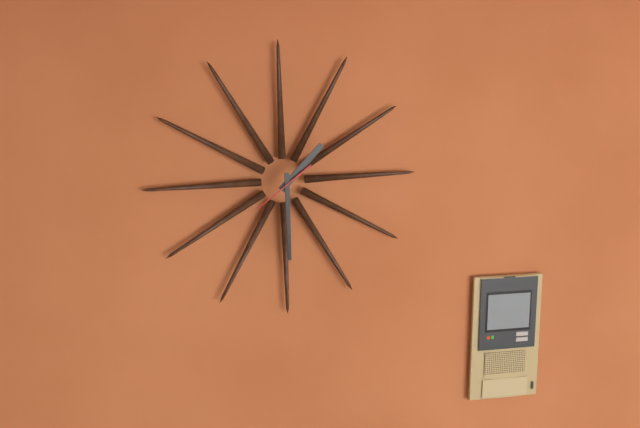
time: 1:30
